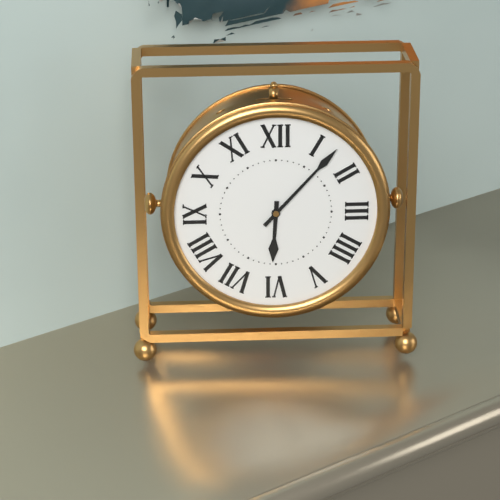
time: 6:07
